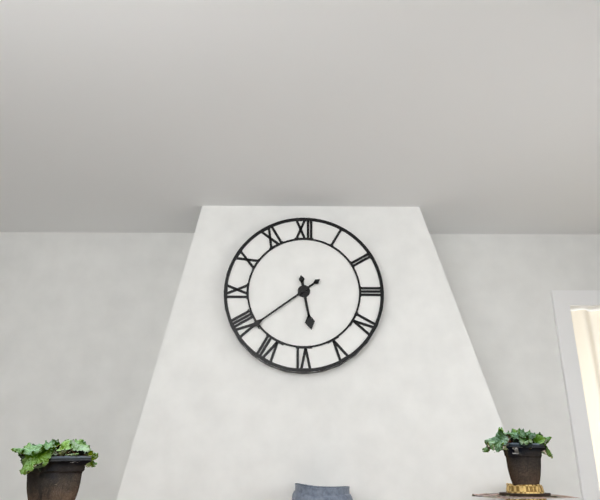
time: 5:39
